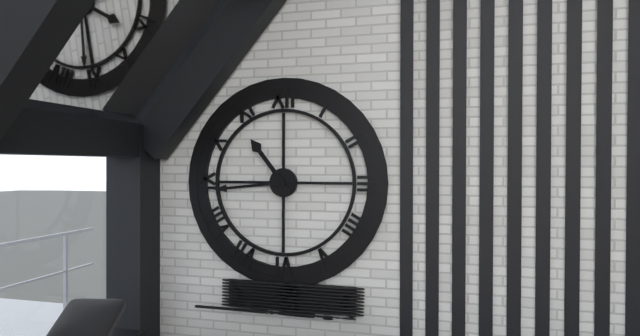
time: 10:44
